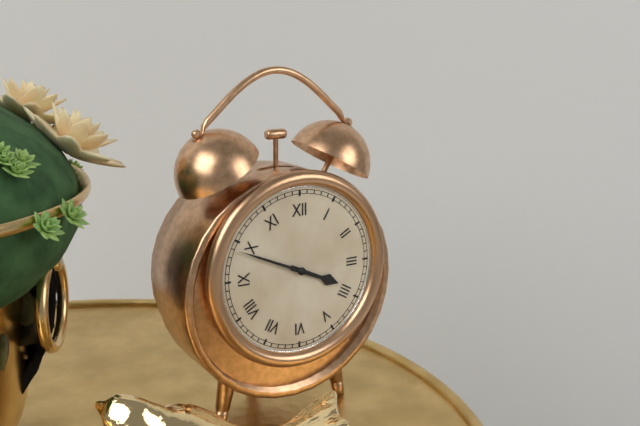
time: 3:49
